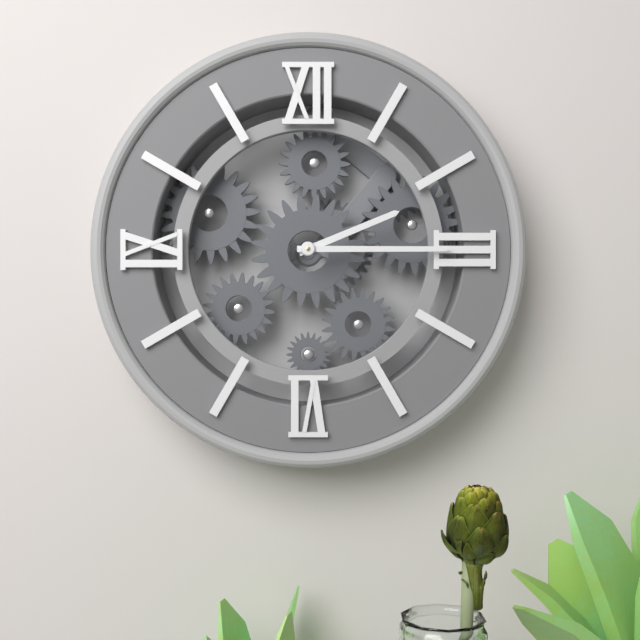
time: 2:15
